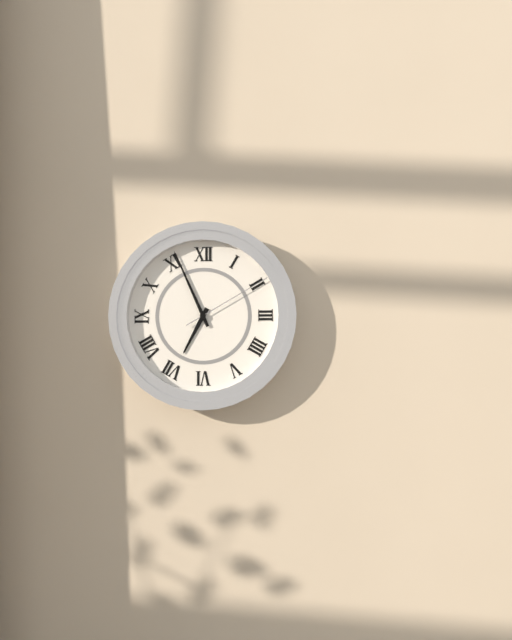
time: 6:56:10
